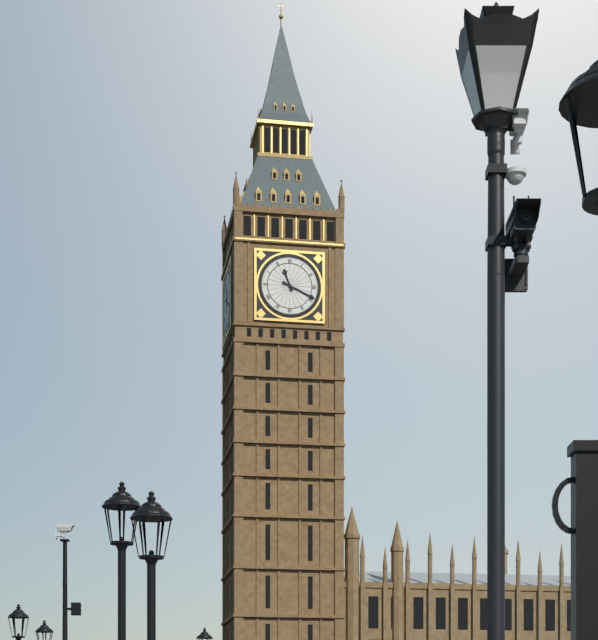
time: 11:19
